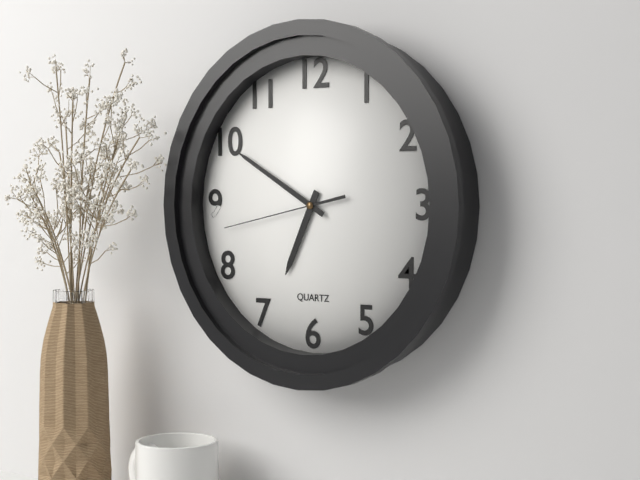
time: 6:50:43
